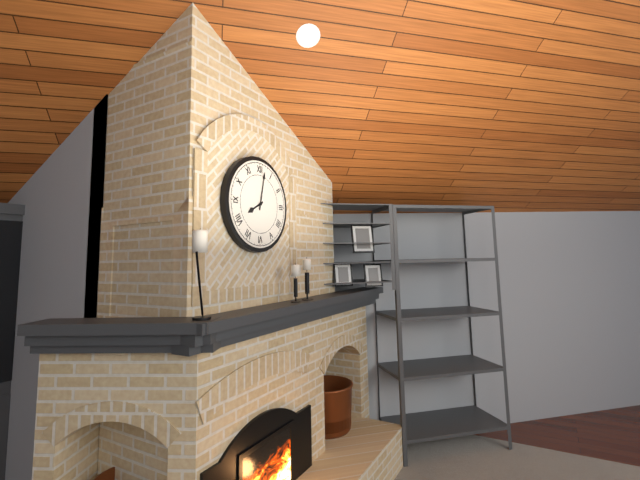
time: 8:02
